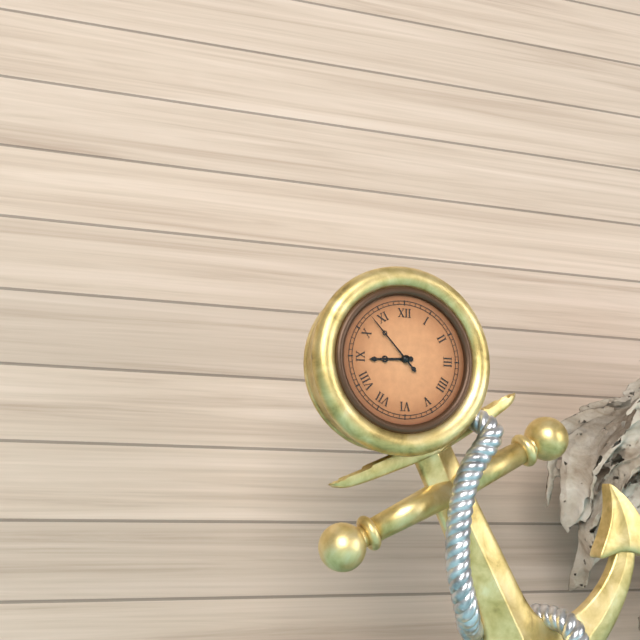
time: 8:53
